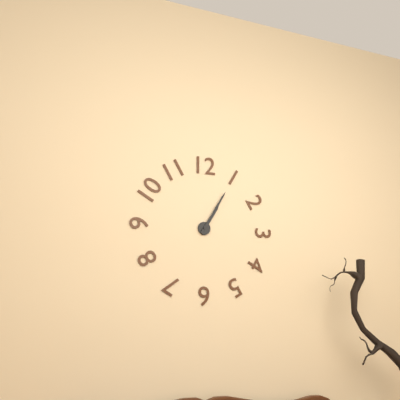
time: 1:05
